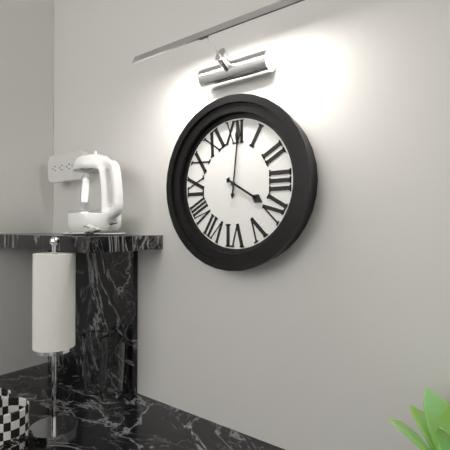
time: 4:01
